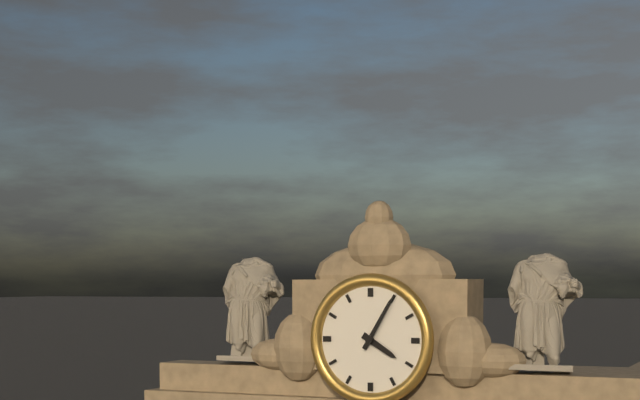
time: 4:05
